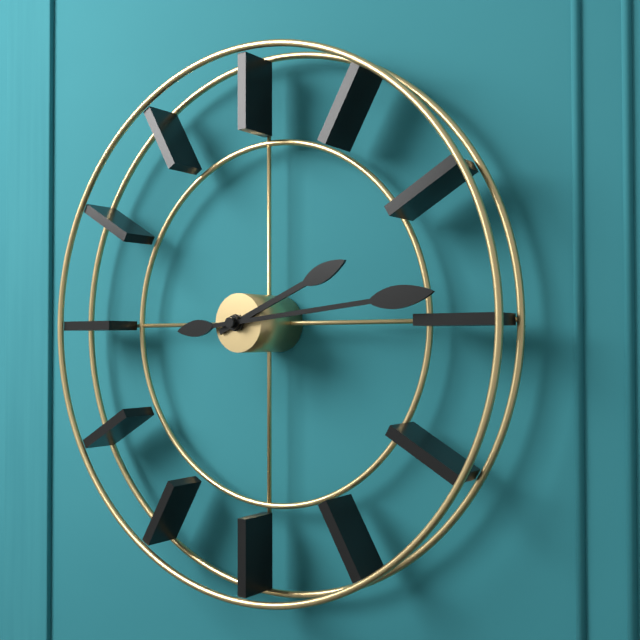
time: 2:14
